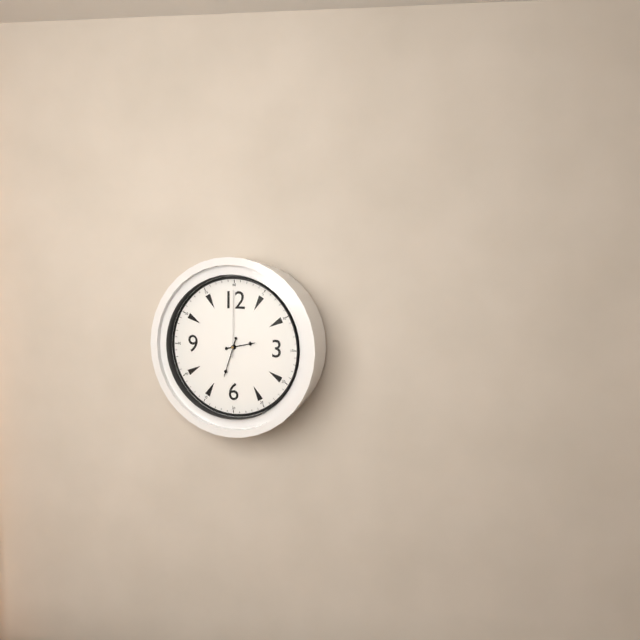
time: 2:33:00
